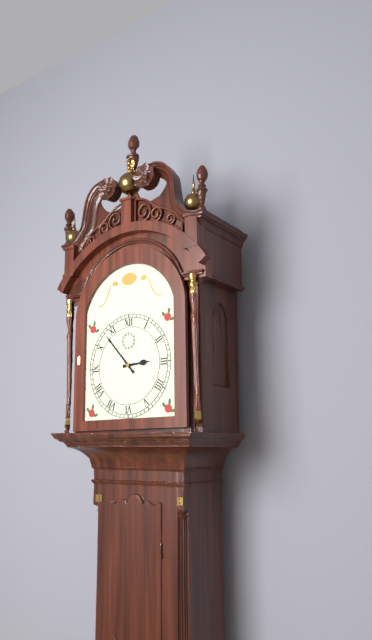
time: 2:53
